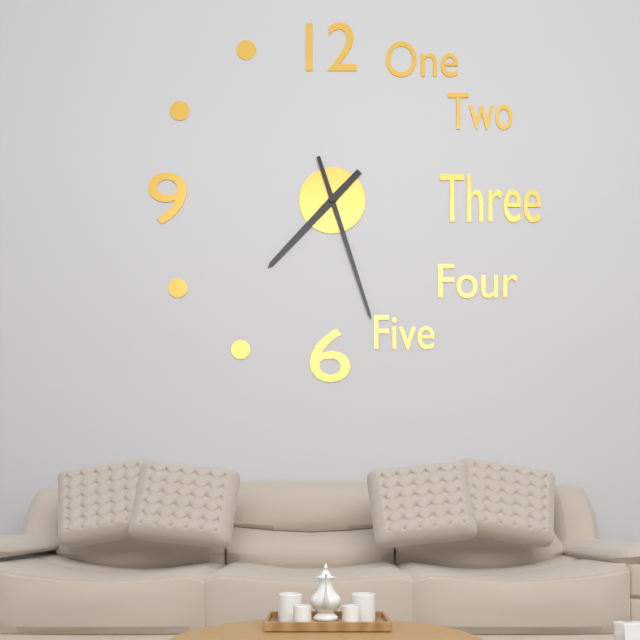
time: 7:27
